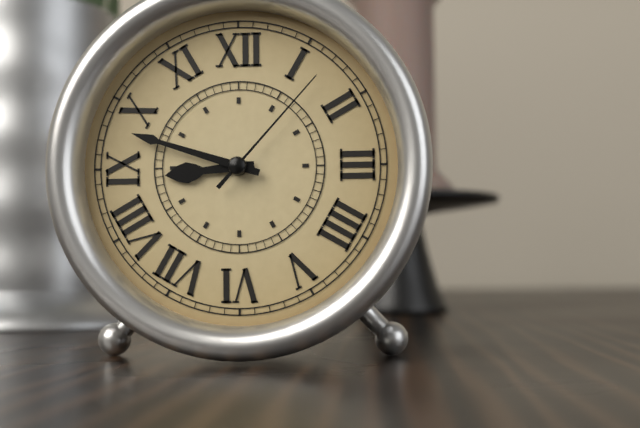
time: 8:48:07
